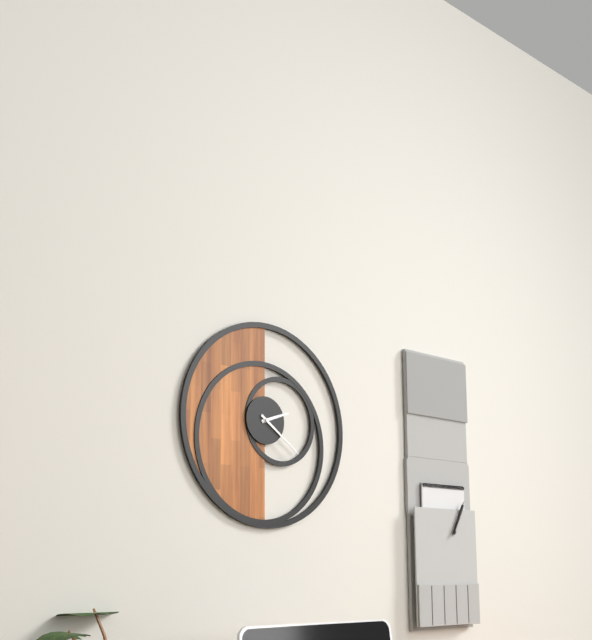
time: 2:21
